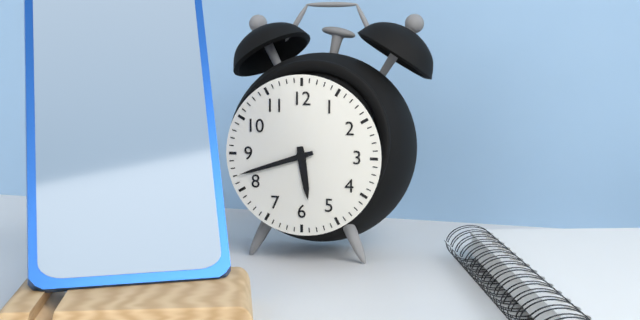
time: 5:42
